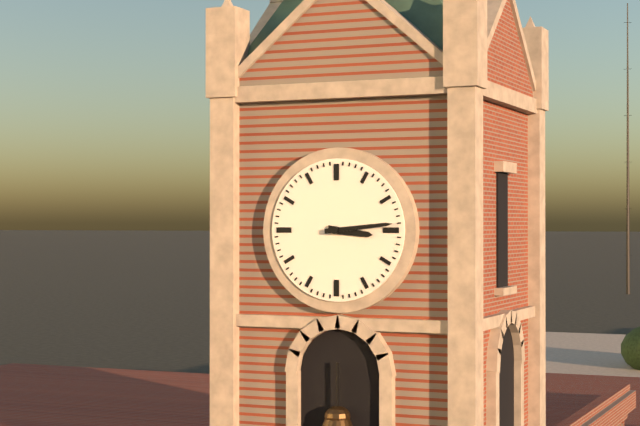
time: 3:14
